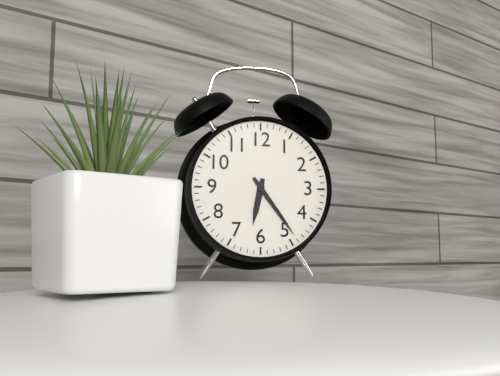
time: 6:24
